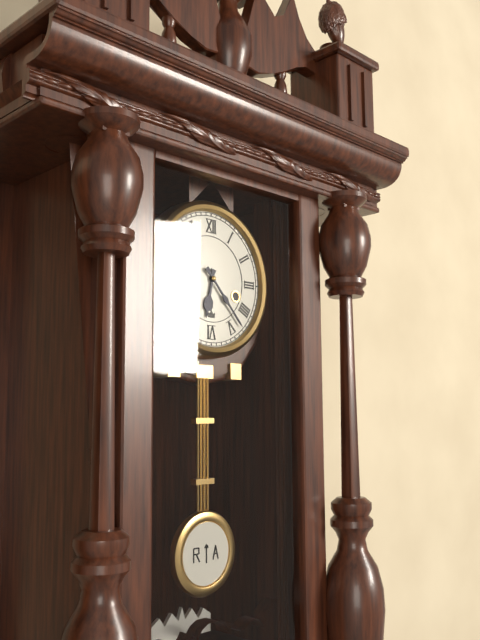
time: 6:23
